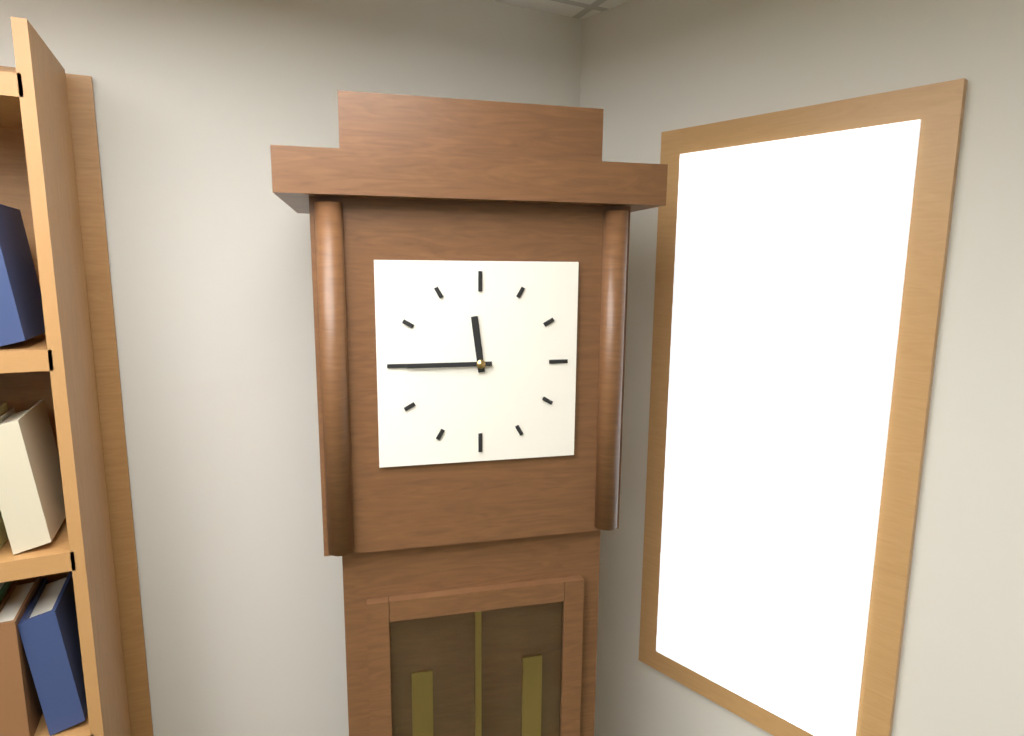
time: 11:45
